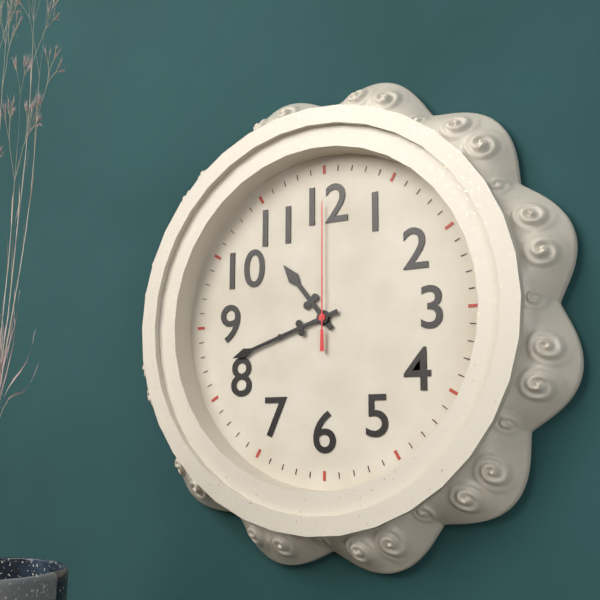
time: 10:42:00
